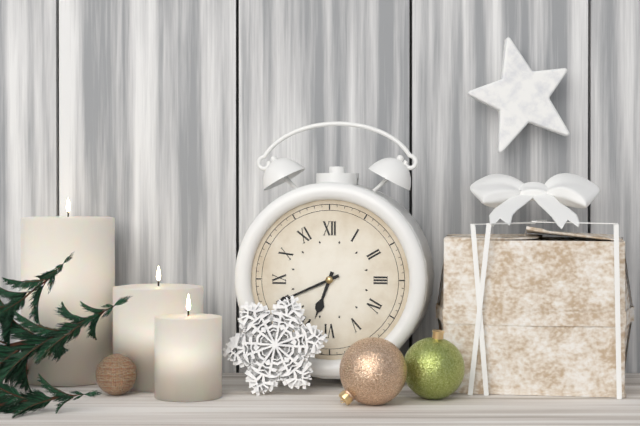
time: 6:41
